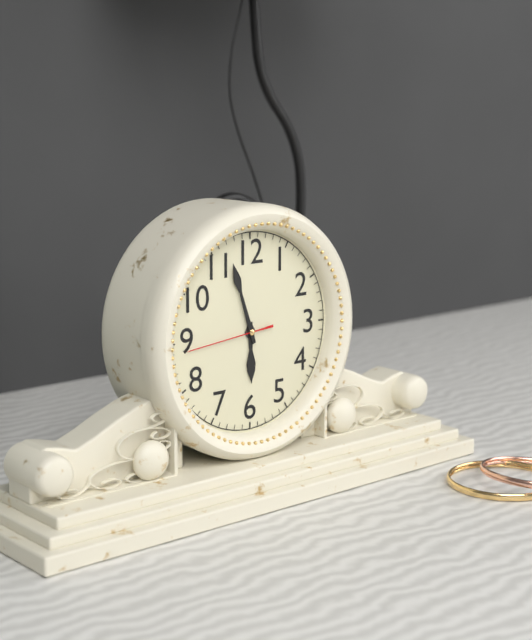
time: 5:57:44
